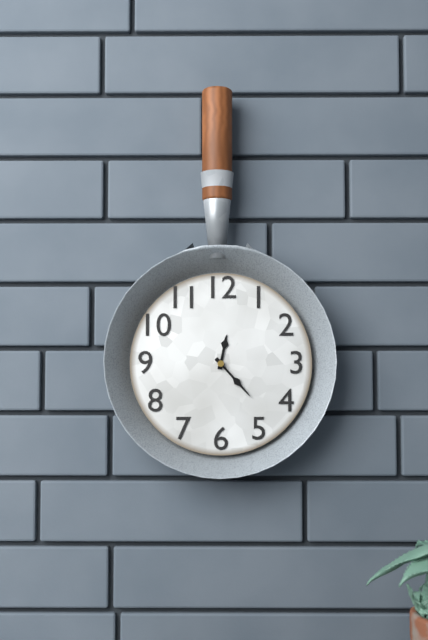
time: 12:23
